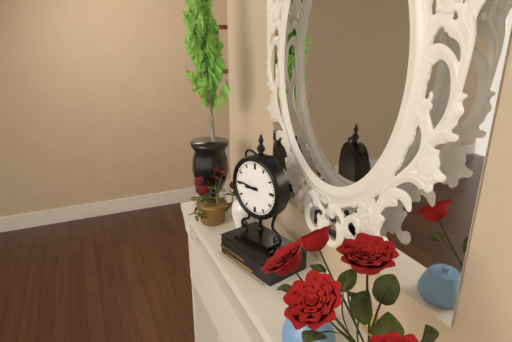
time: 8:46
